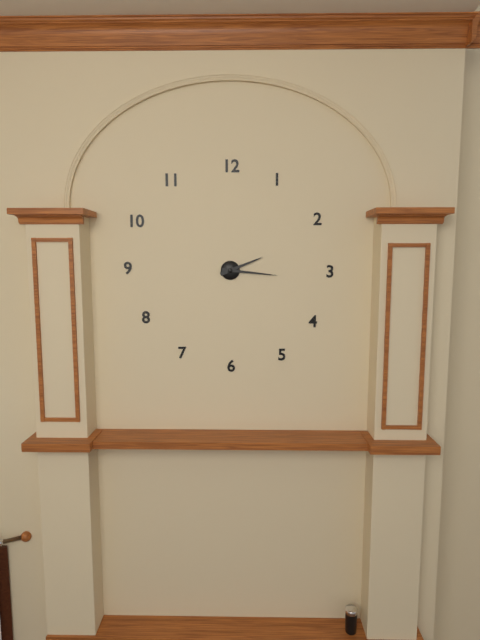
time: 2:16
